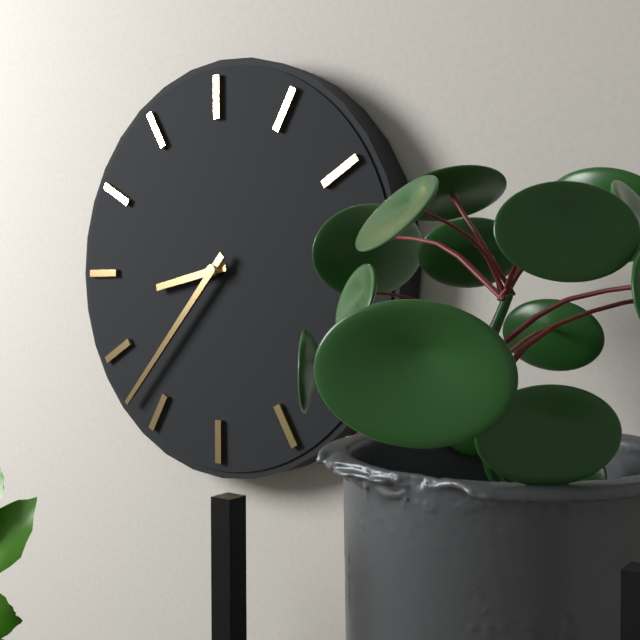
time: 8:37
